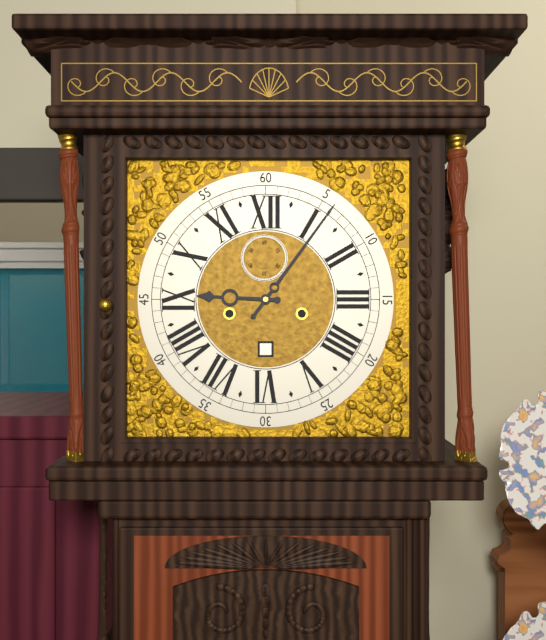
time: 9:06
